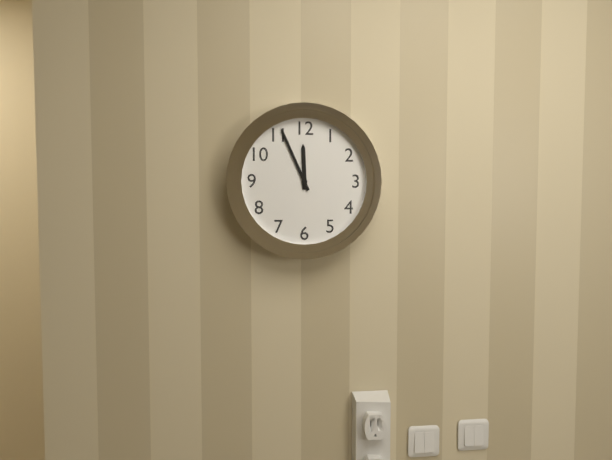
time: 11:56
